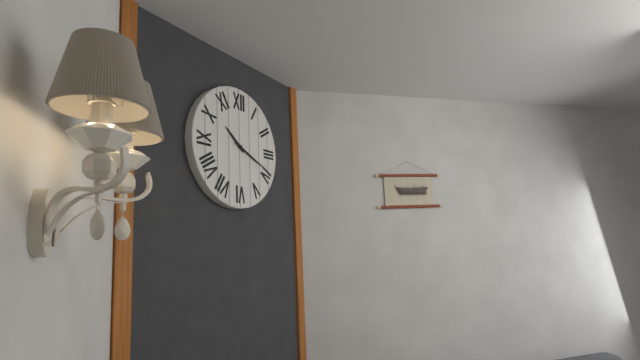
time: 10:19
